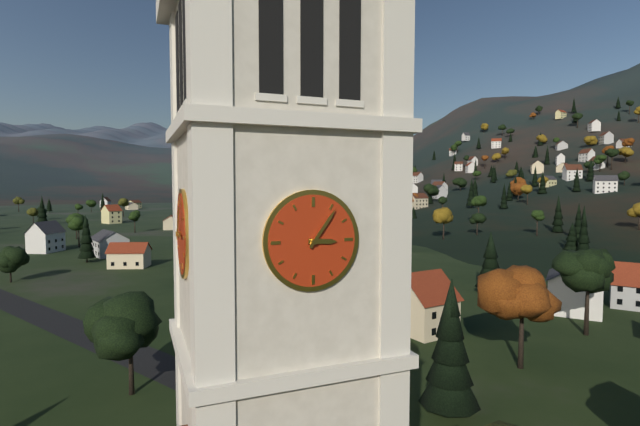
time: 3:06
